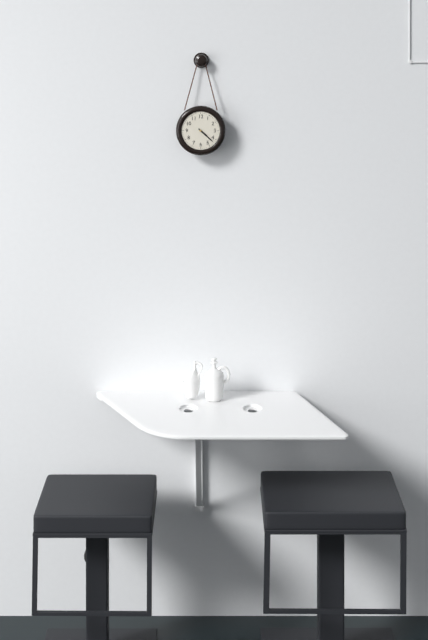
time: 4:22
